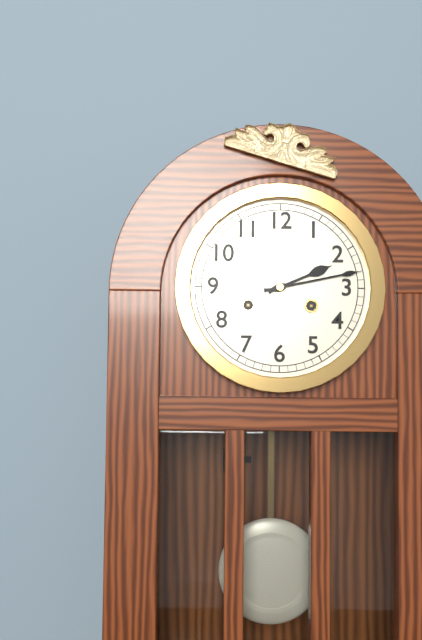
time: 2:13
